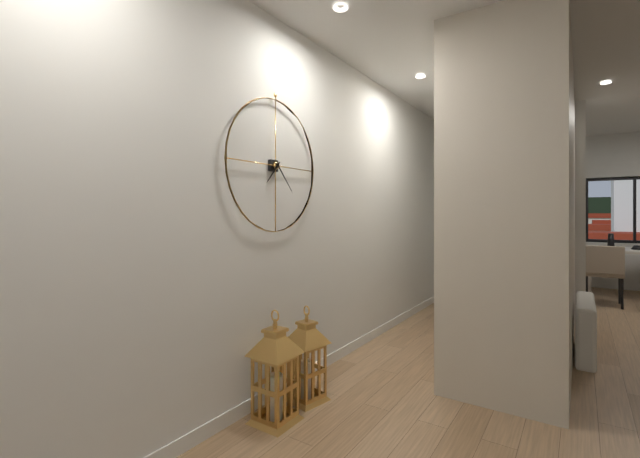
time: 7:23
